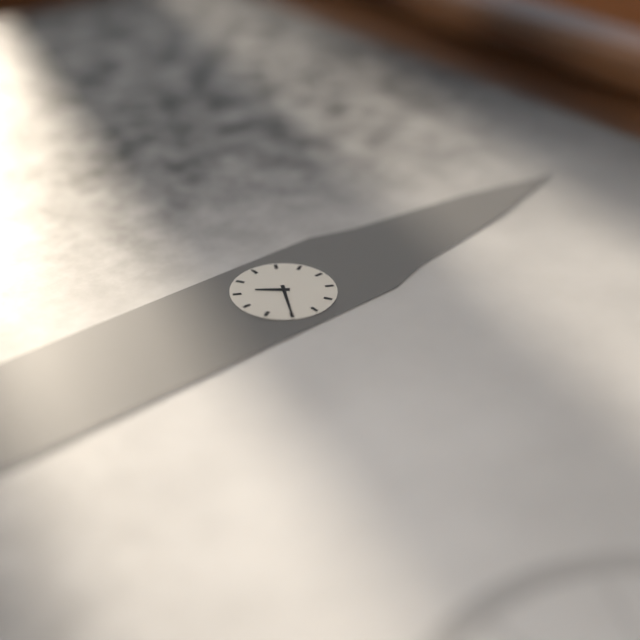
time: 7:20
